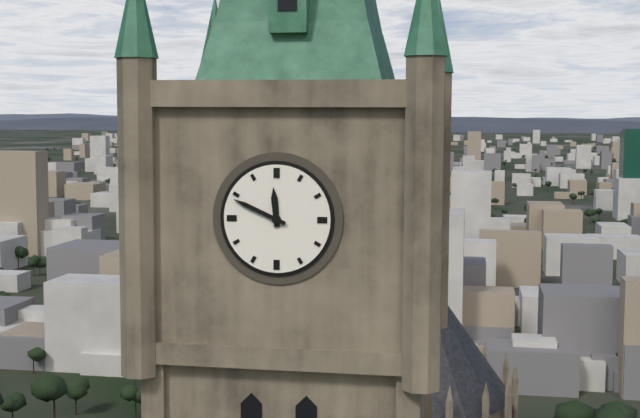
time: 11:49
